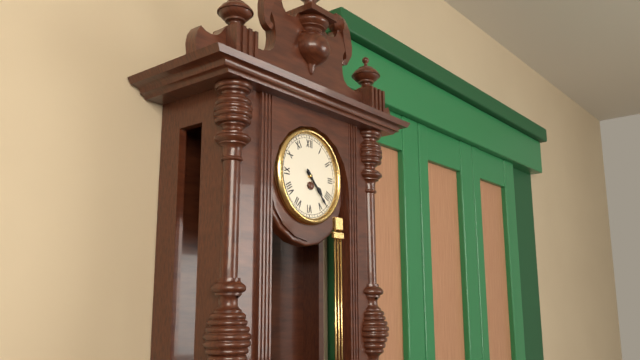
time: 4:23
